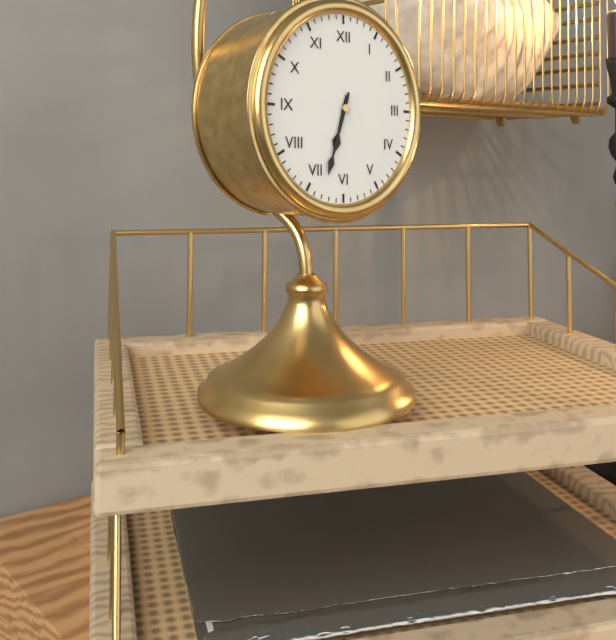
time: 6:33
